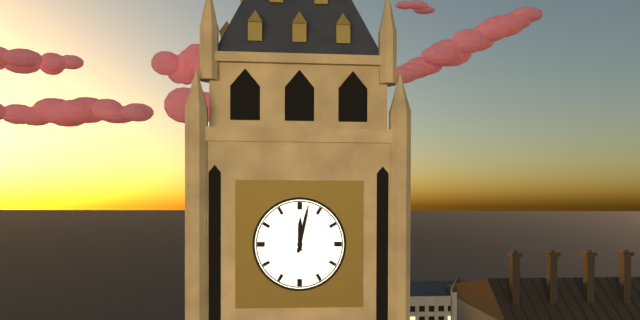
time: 12:02
